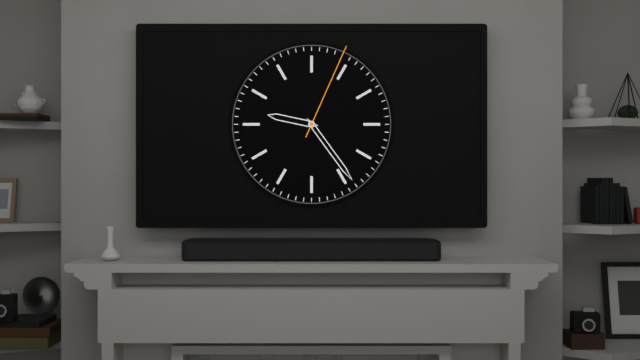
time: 9:24:04
